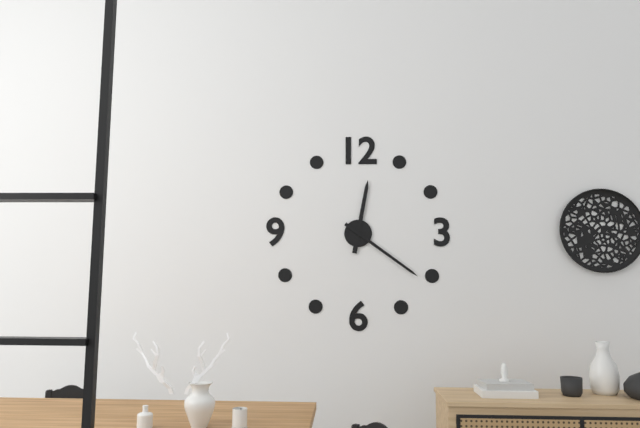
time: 12:21
